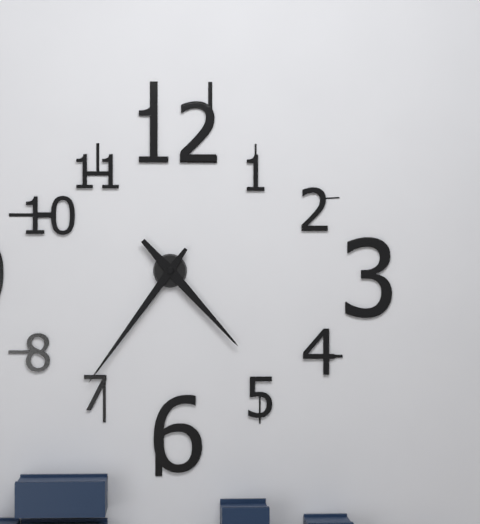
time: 4:36
